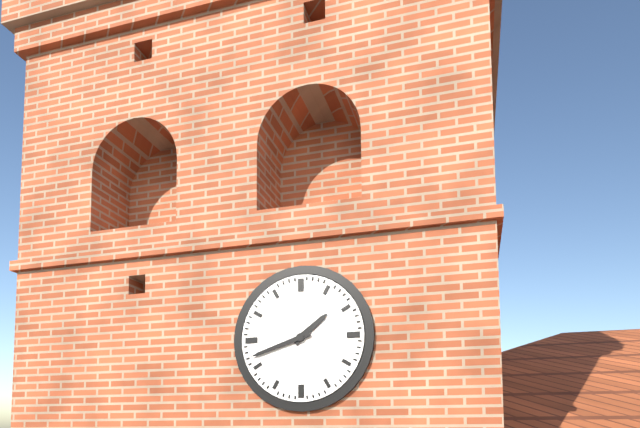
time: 1:42
